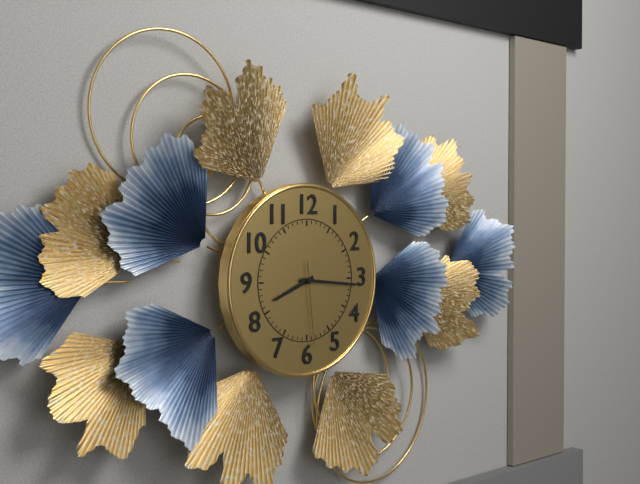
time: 8:16:29
